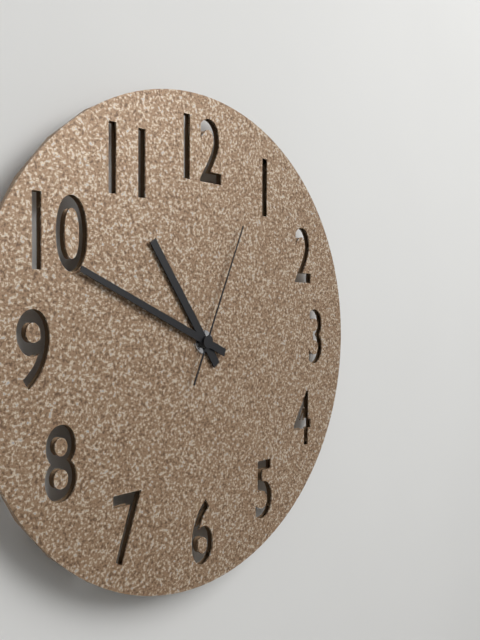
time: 10:49:04
